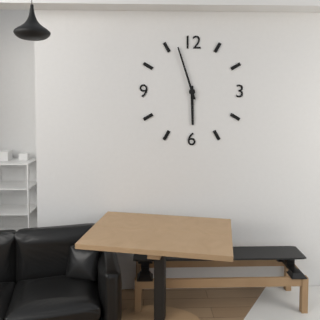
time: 5:57
